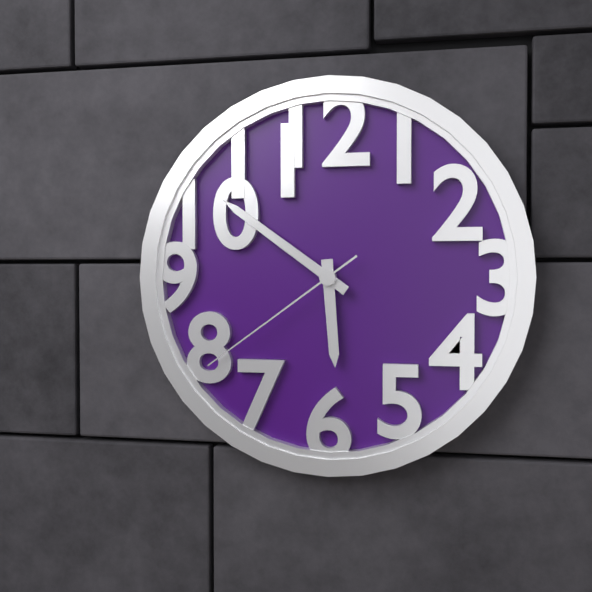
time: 5:51:39
